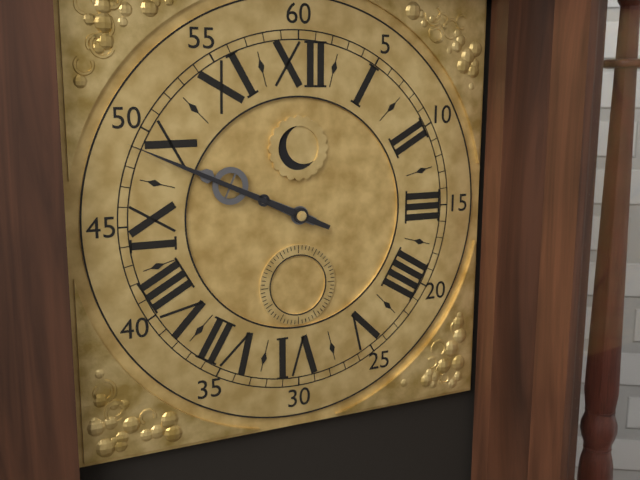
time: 9:49
